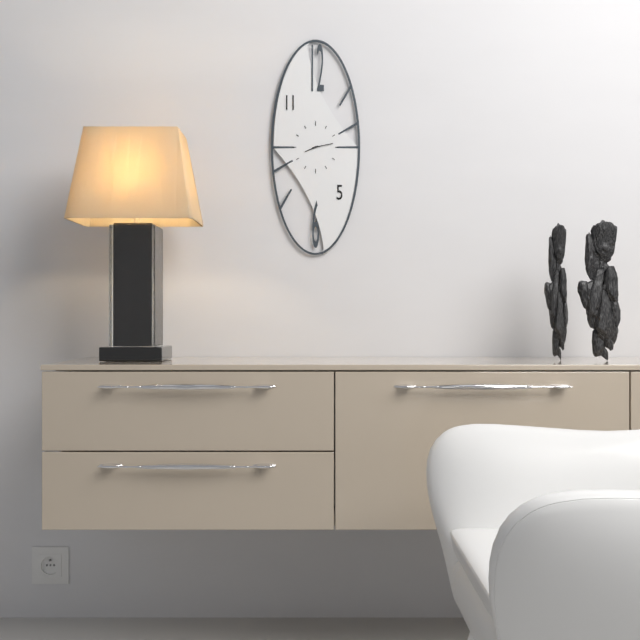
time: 8:13
